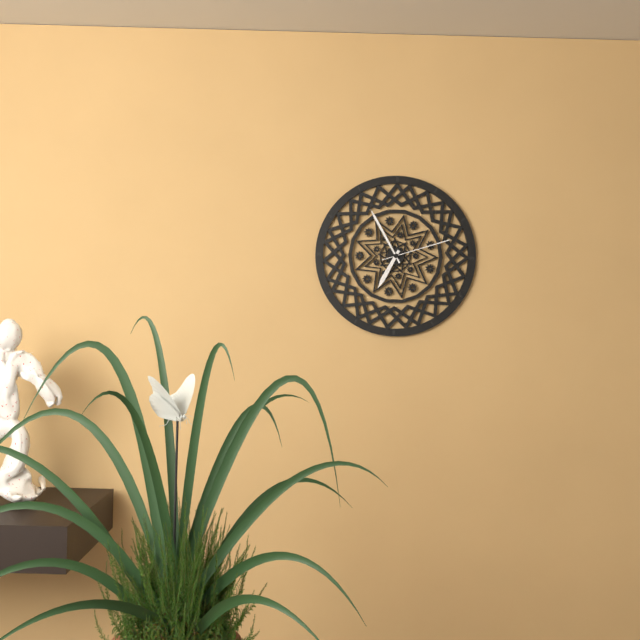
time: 6:55:12
